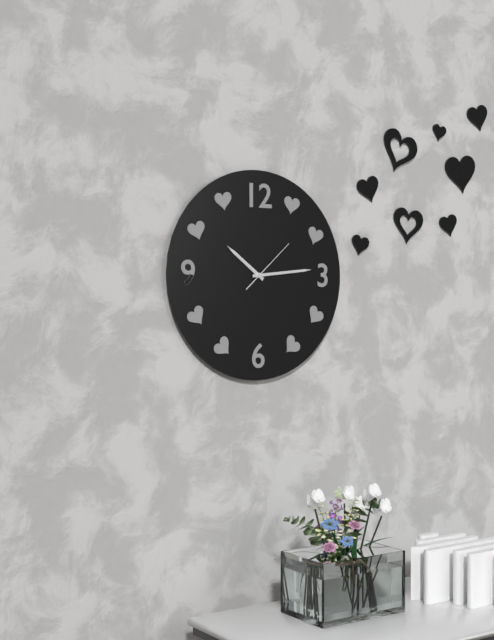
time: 10:14:08
